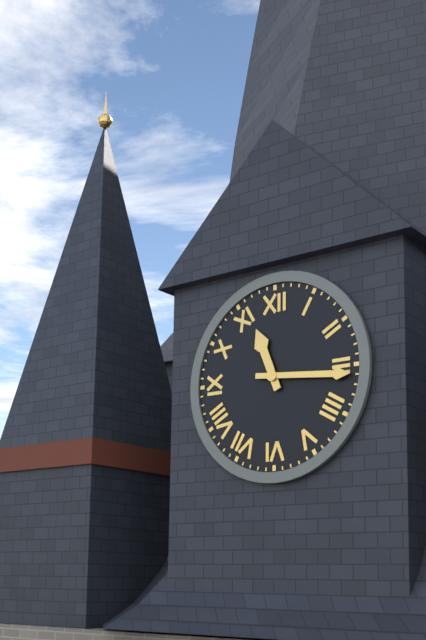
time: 11:16
